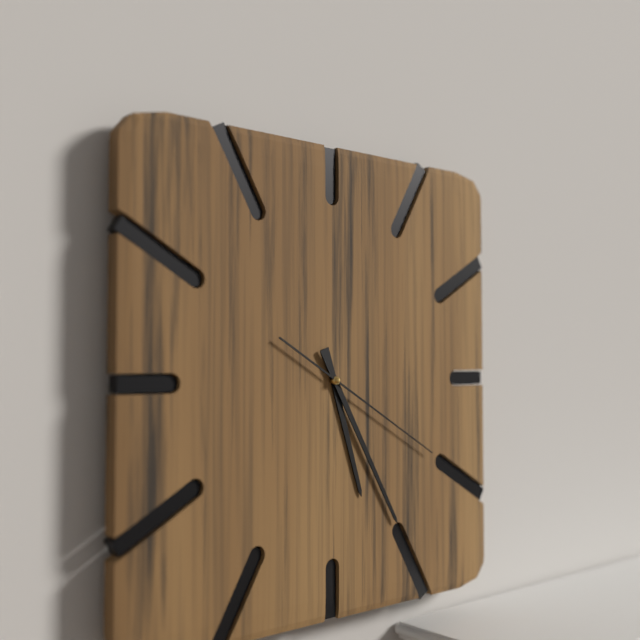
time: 5:25:20
